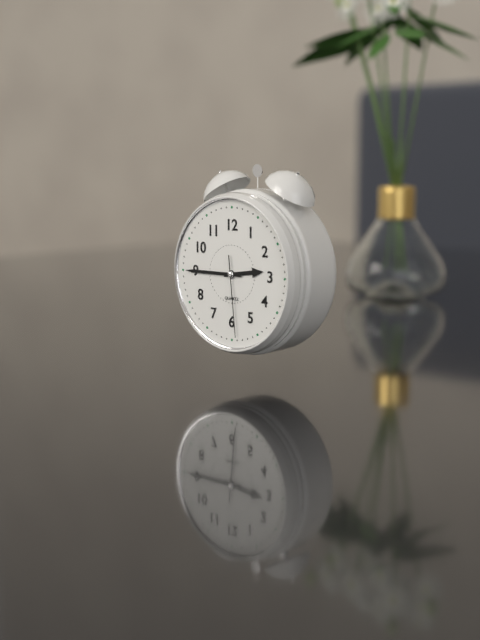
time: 2:45:29
